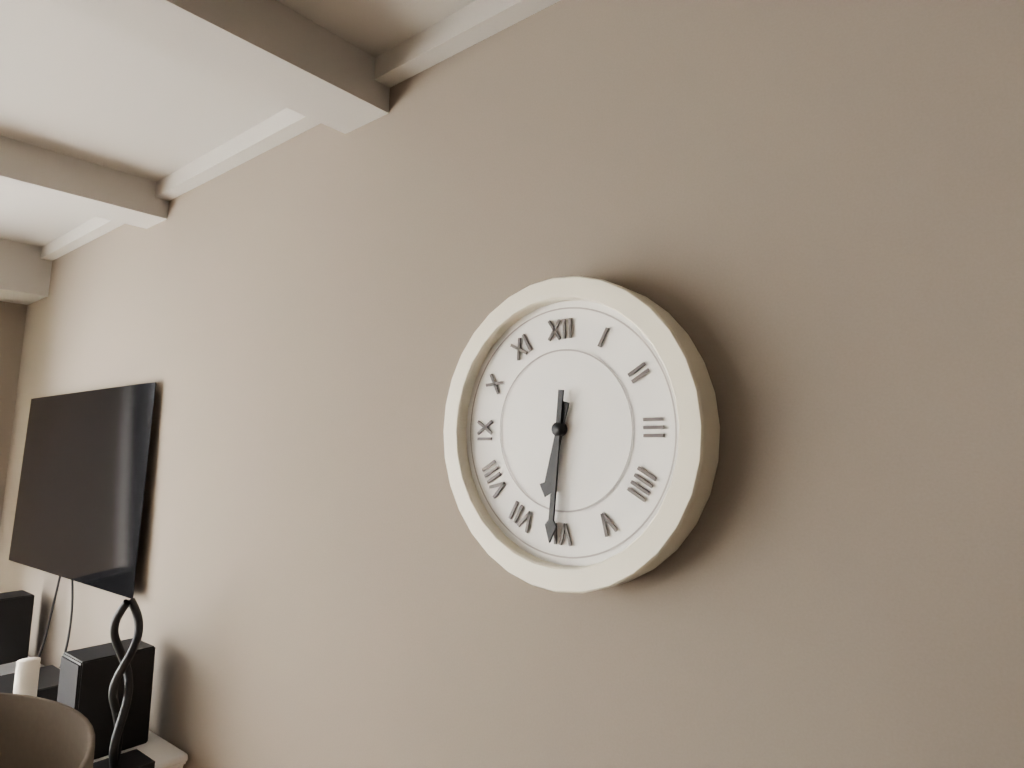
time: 6:31
